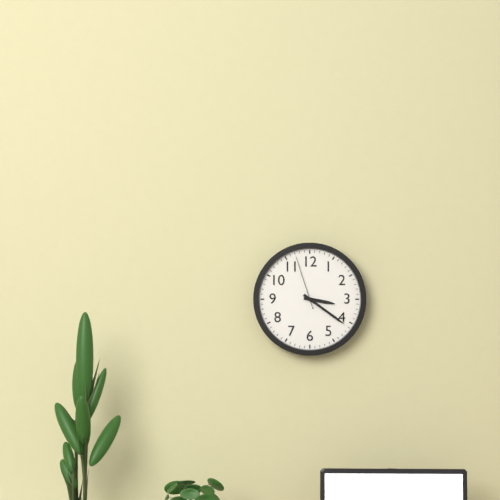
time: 3:21:57
